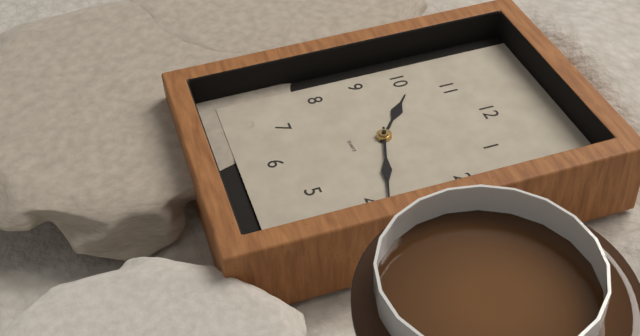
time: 10:18
